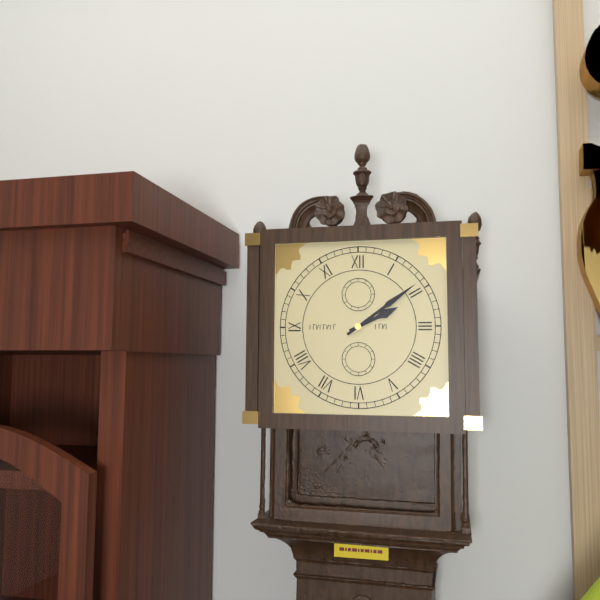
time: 2:09
